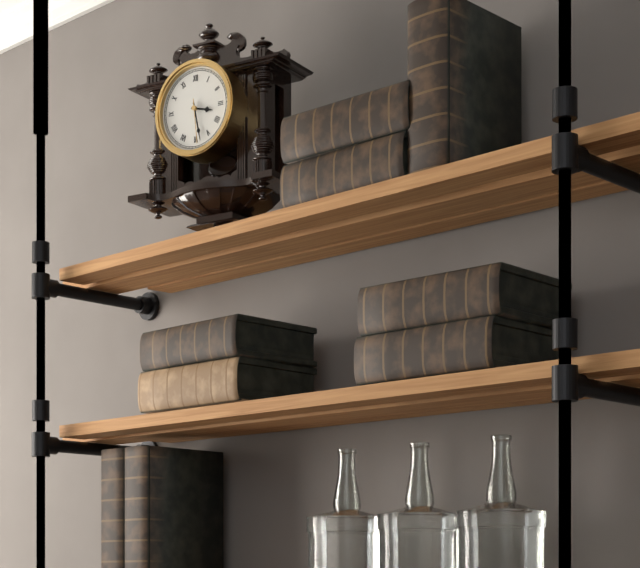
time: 3:28
